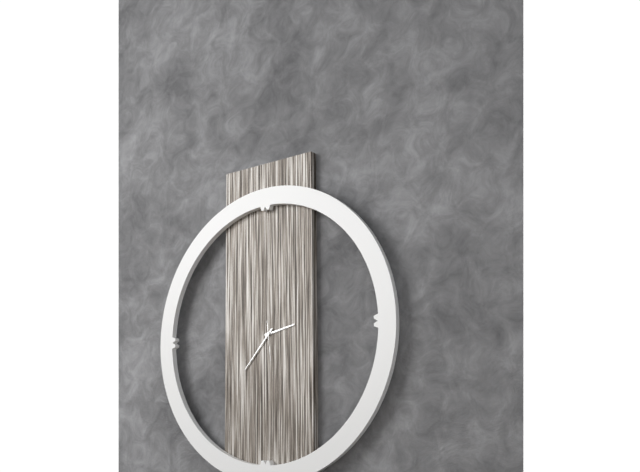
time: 2:37
